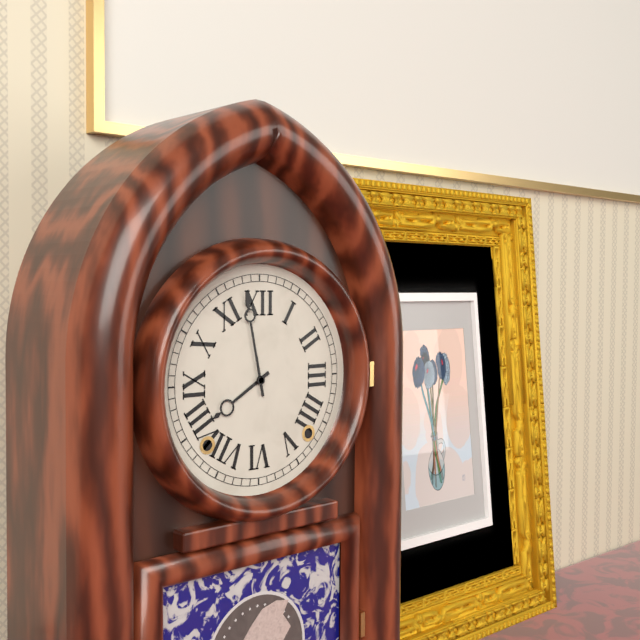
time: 7:58
